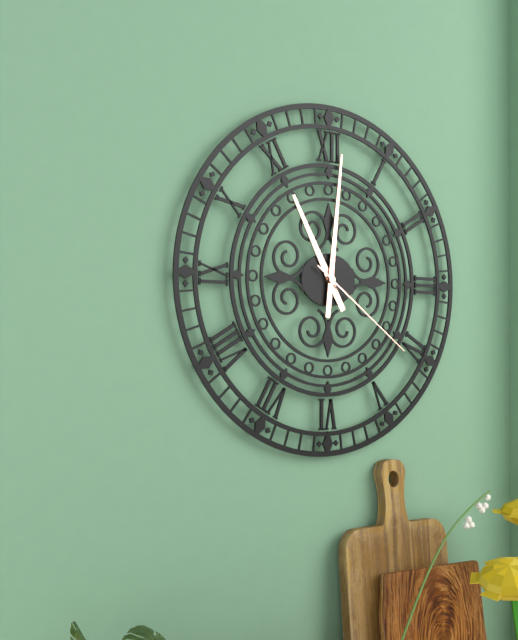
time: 11:01:21
